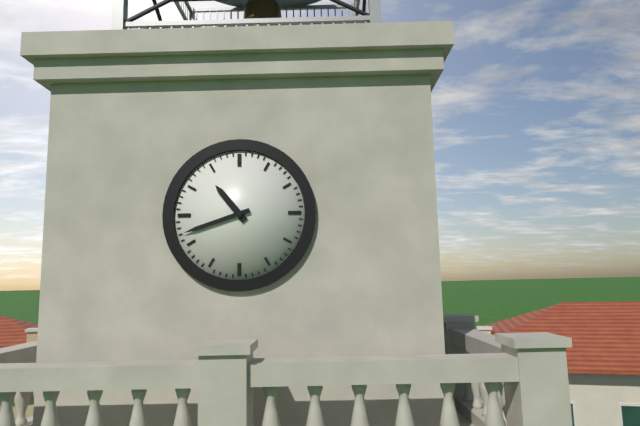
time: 10:42
